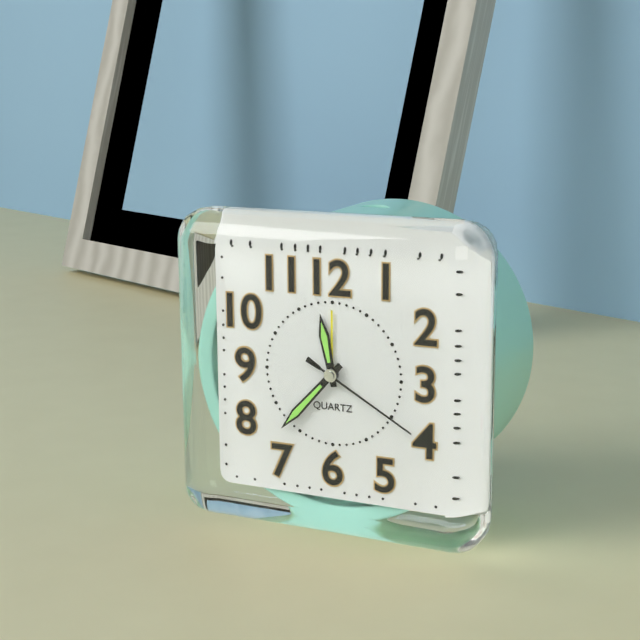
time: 11:37:20
